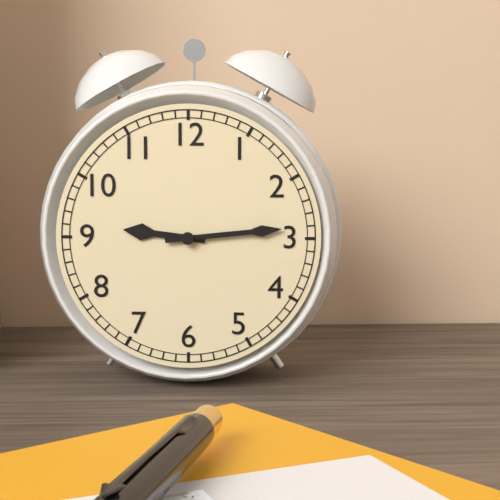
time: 9:14
